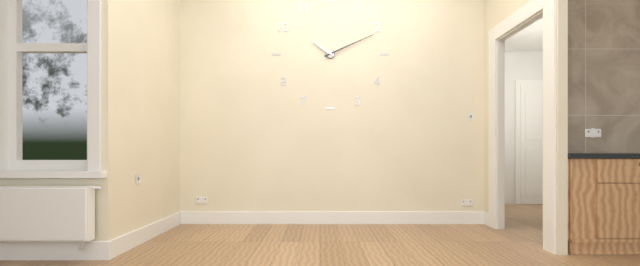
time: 10:11
